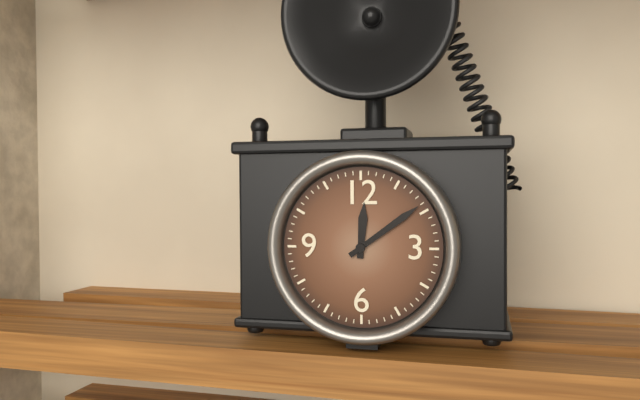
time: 12:09
